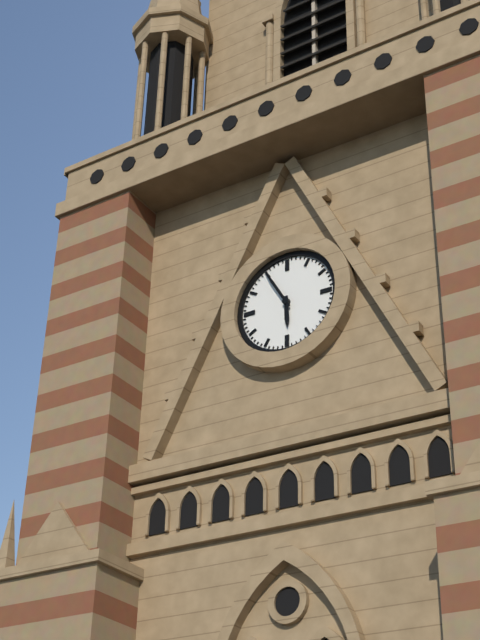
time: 5:55
